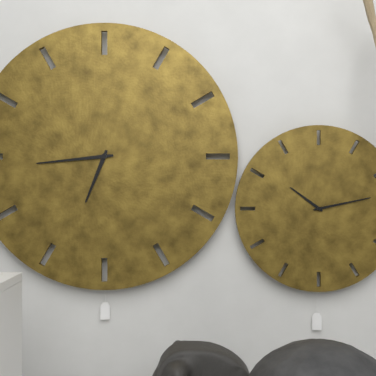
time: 6:44
